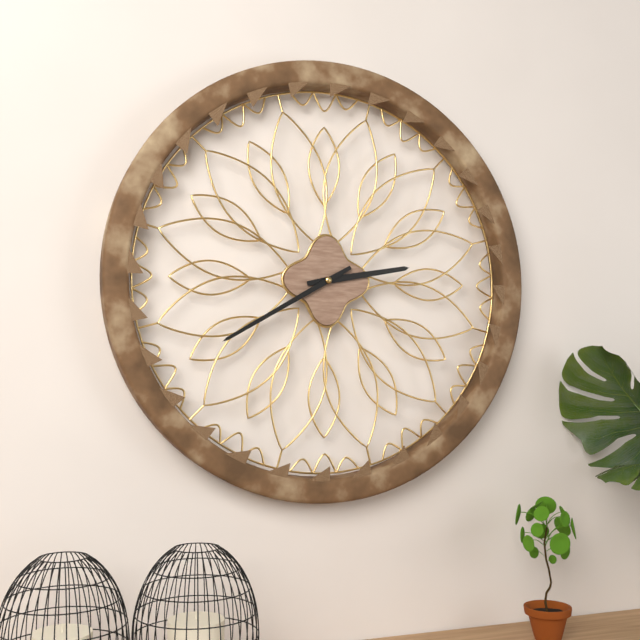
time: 2:40
